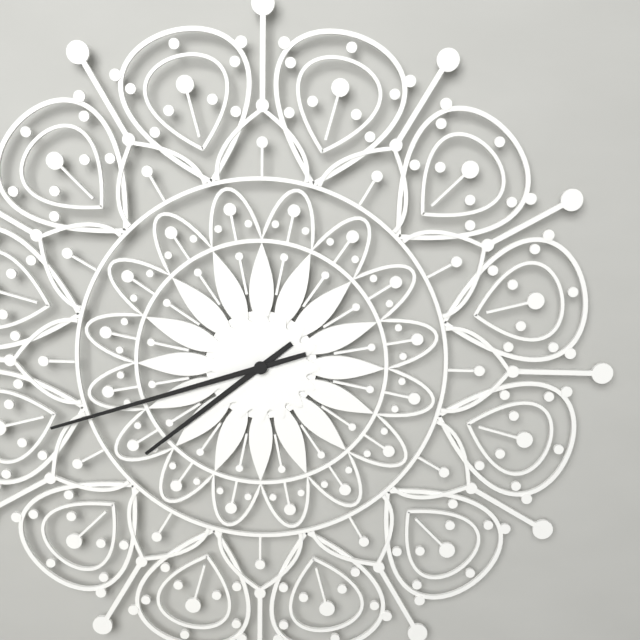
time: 7:42
